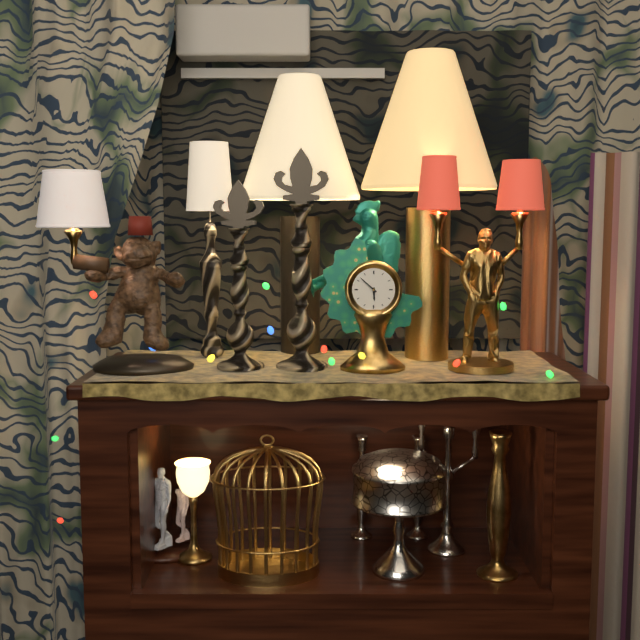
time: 5:52
